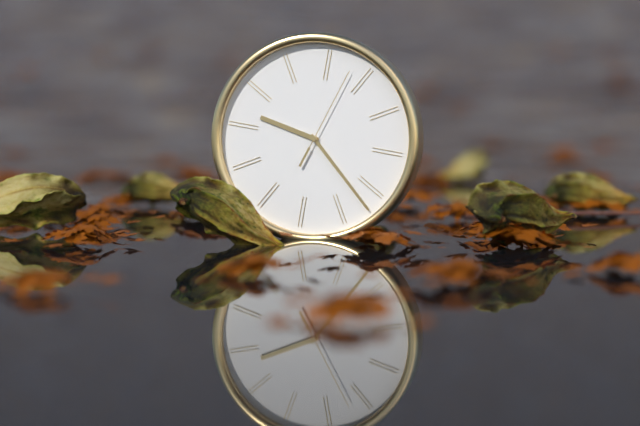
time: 9:22:03
